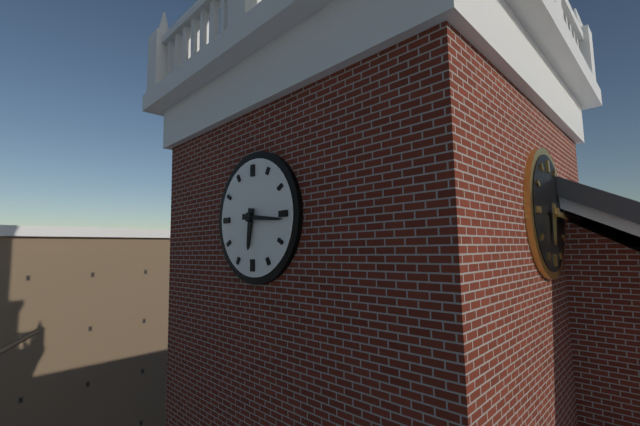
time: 6:16
